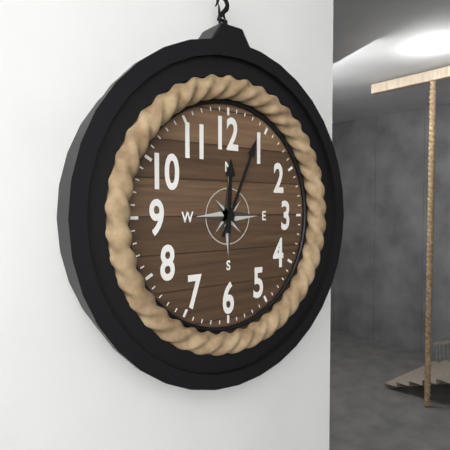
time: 12:04
